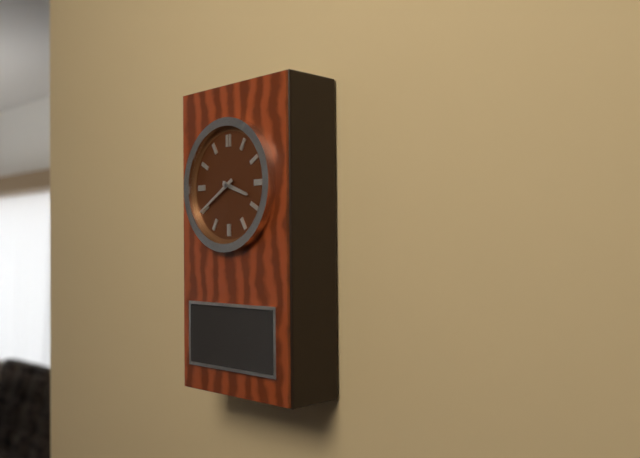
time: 3:40
